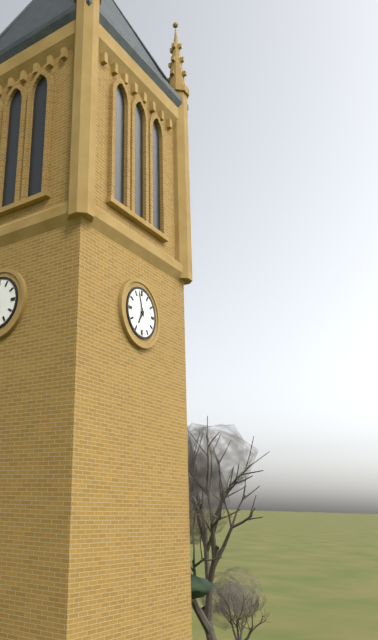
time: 6:57
